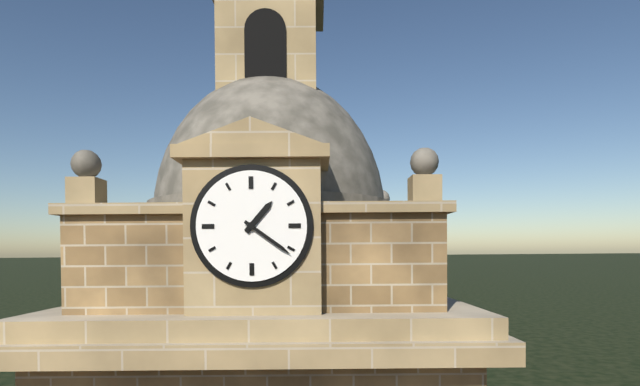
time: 1:21
